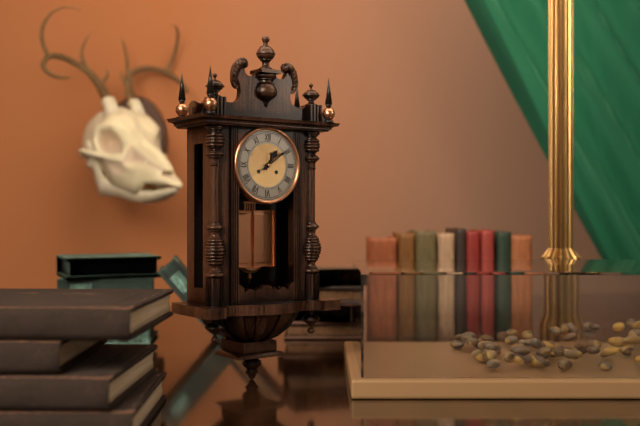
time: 1:09
